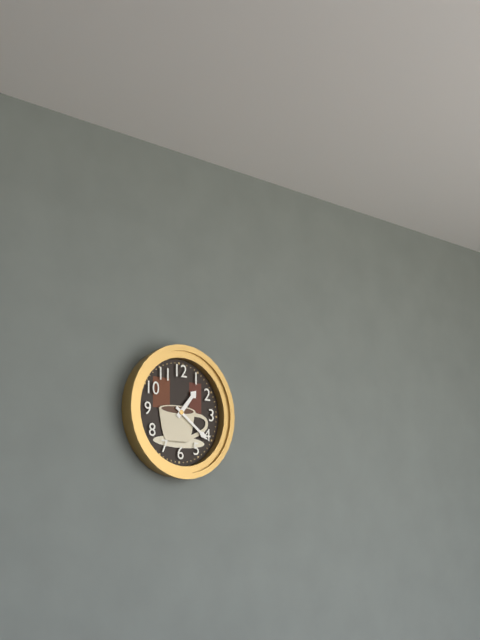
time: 1:21
